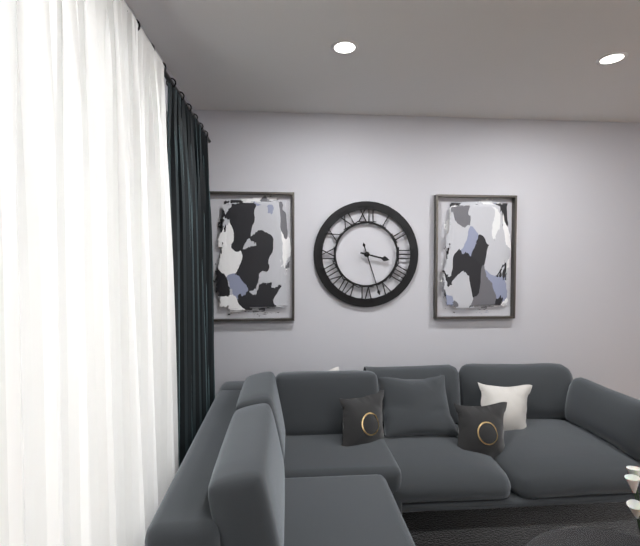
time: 3:27
